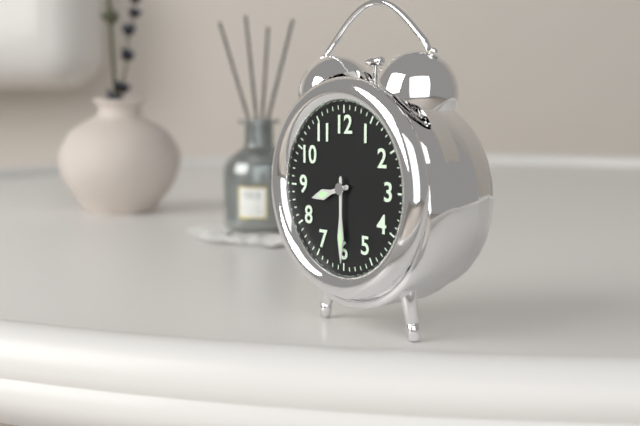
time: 8:30
